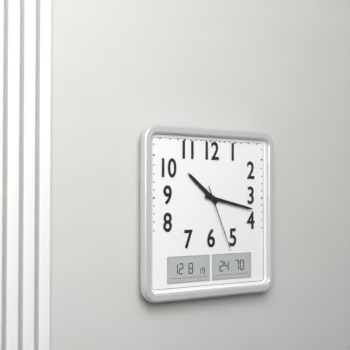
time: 10:17:26
